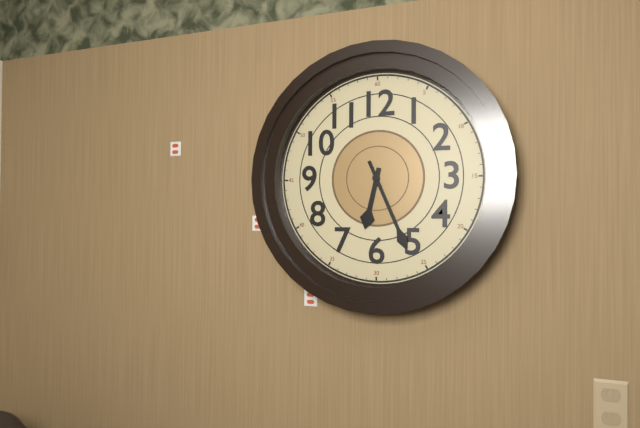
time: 6:26
